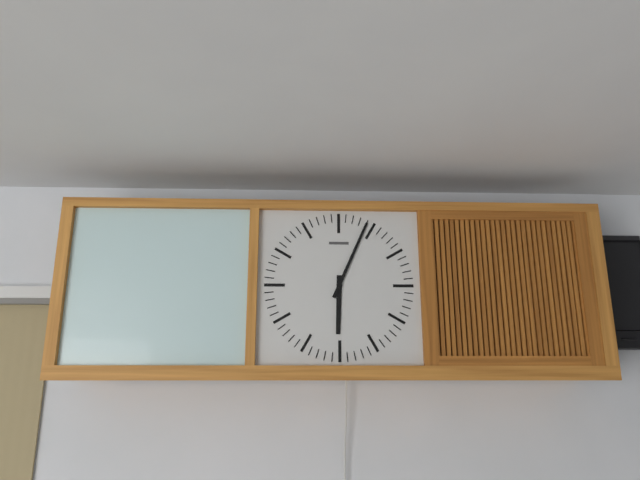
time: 6:04
